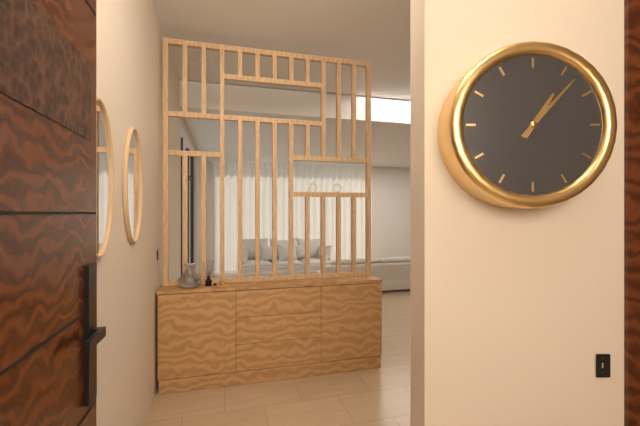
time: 1:07
